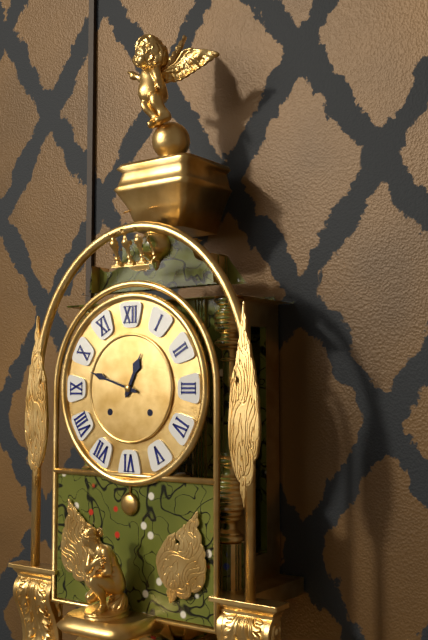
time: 12:48
